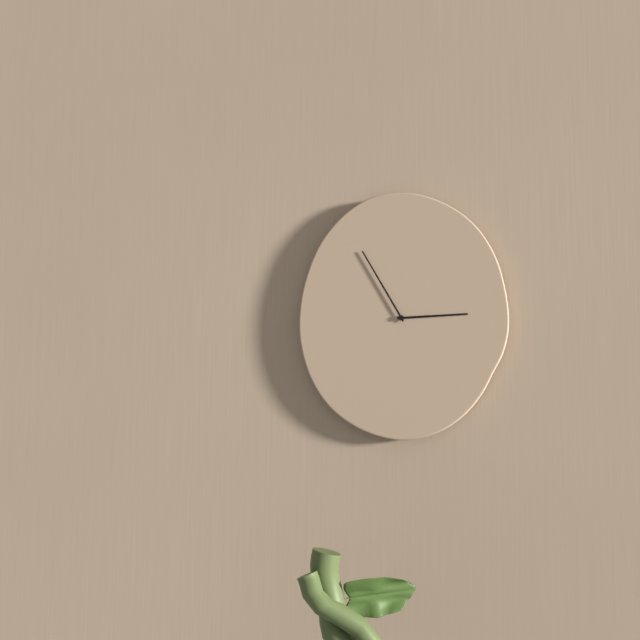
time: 2:55
